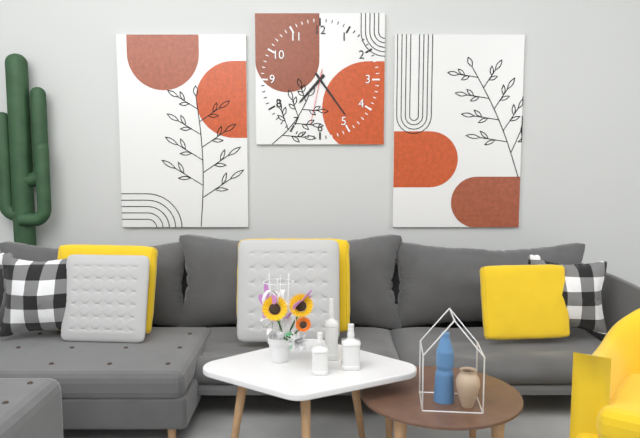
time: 7:24:32
